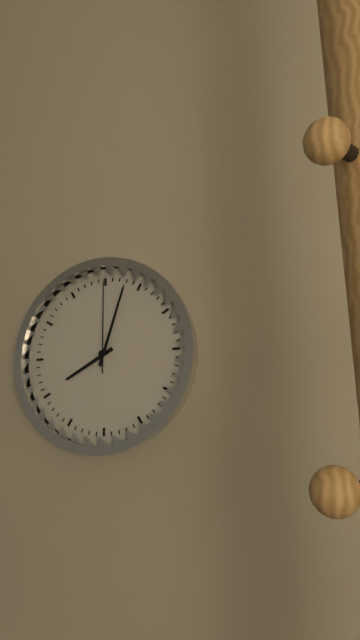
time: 8:03:00
